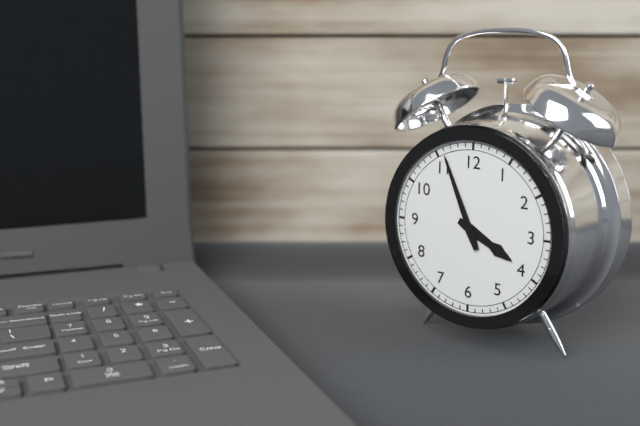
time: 3:56
